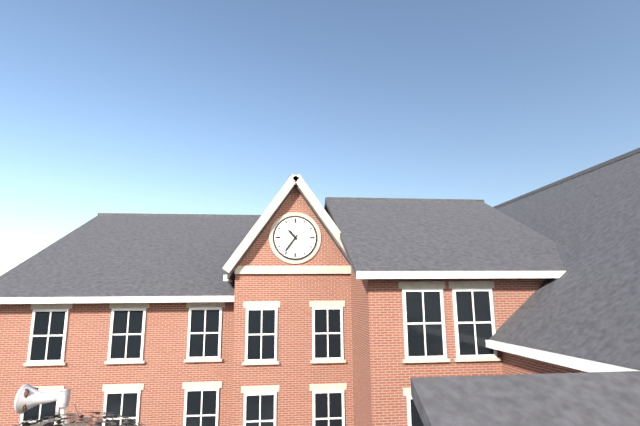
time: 10:36
